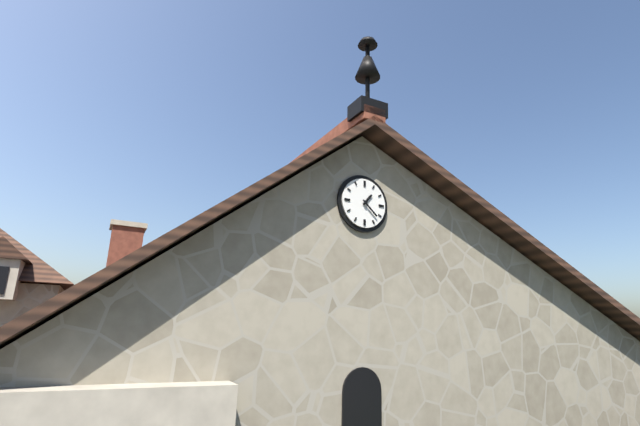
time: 1:22
